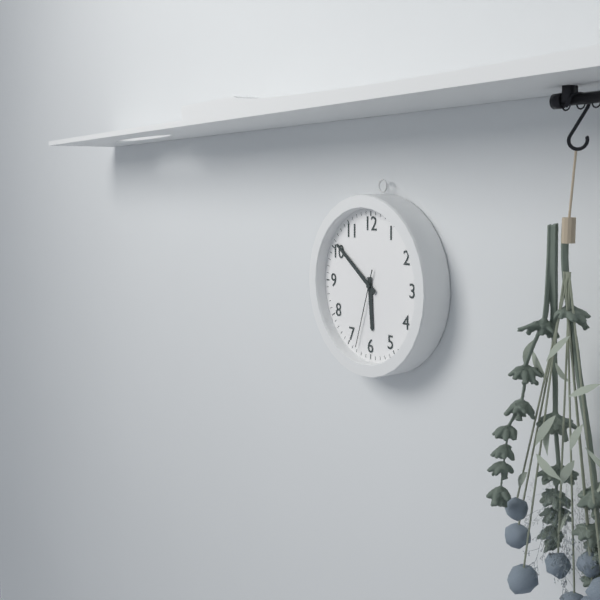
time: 5:51:33
